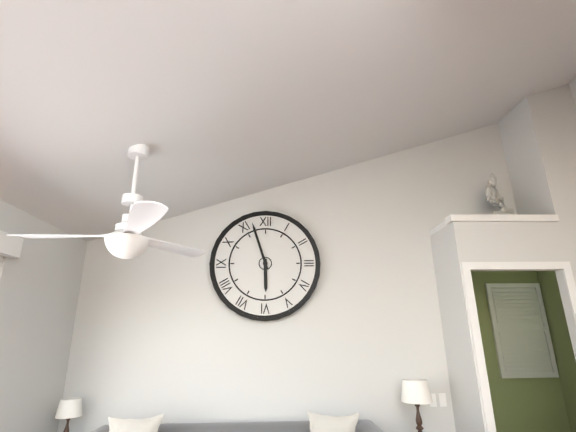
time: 5:57
